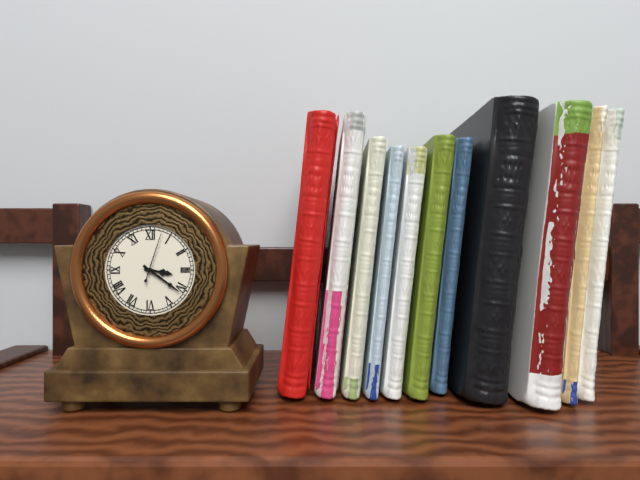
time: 3:21
